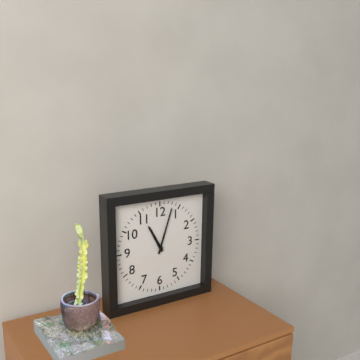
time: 11:03
